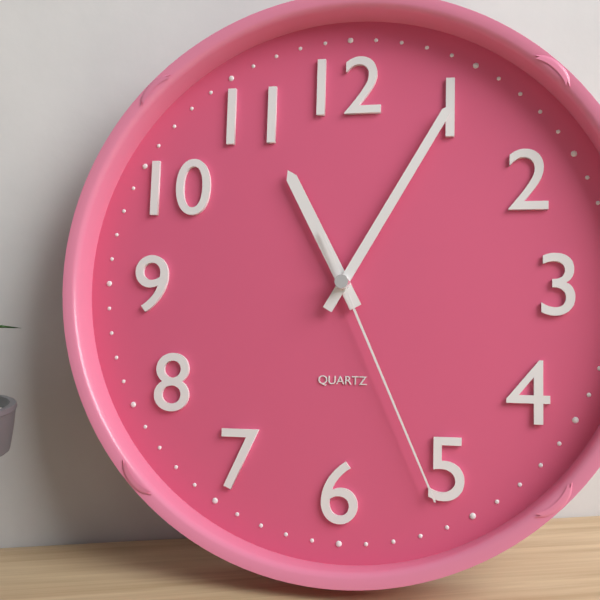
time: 11:05:26
